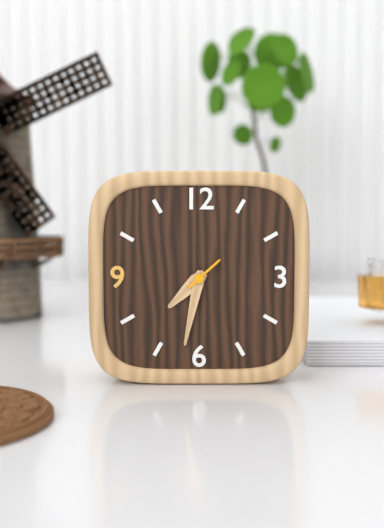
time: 7:32
